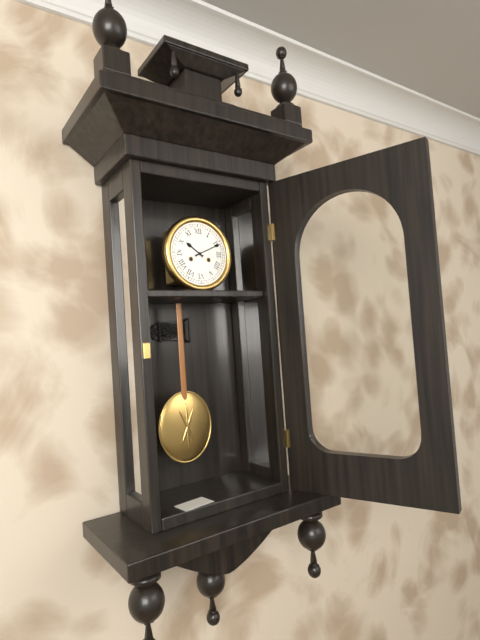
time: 10:11
